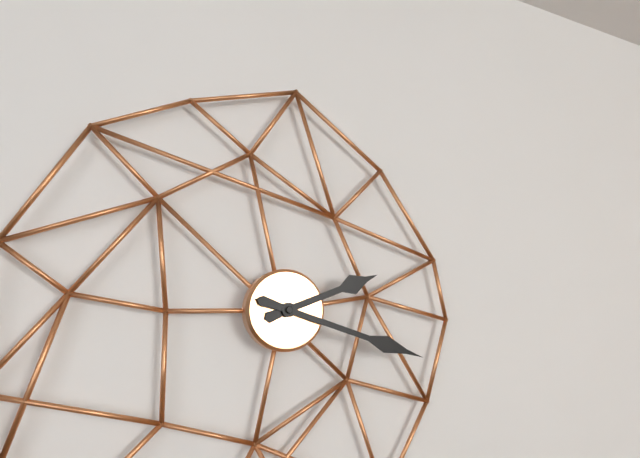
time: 2:18
